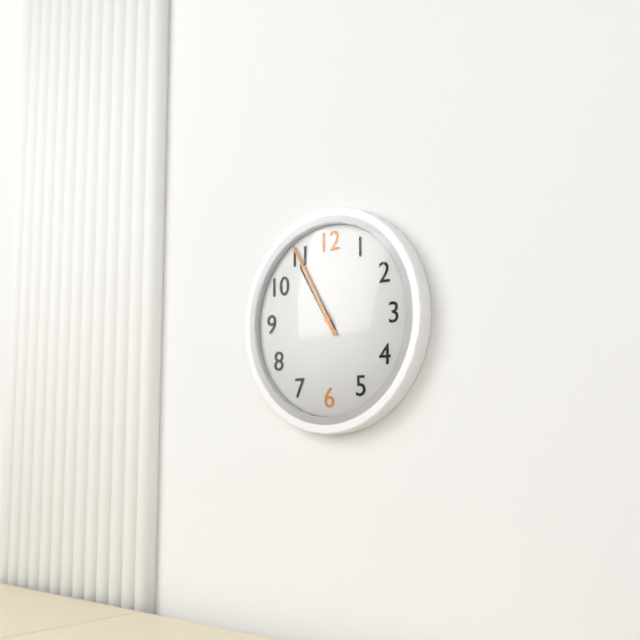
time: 10:55
